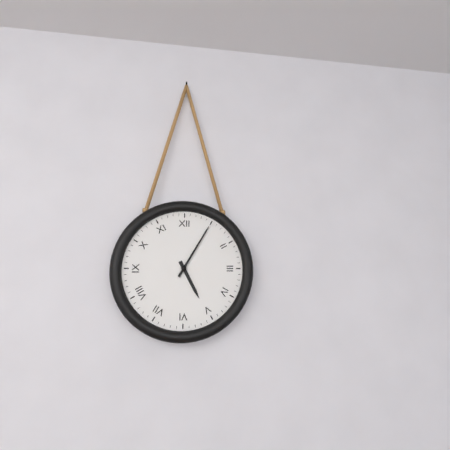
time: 5:05
